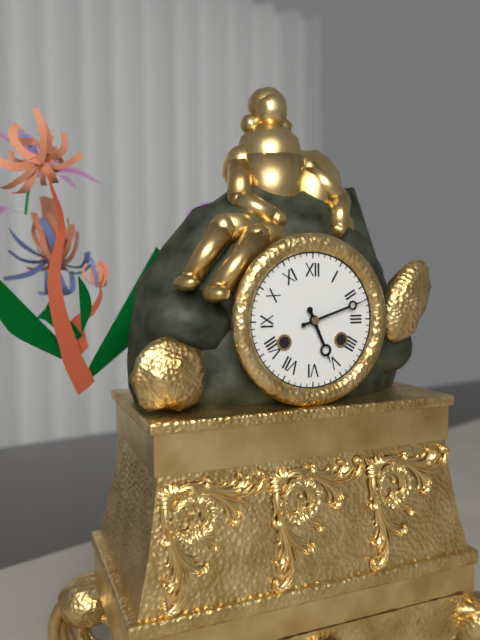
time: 5:12
